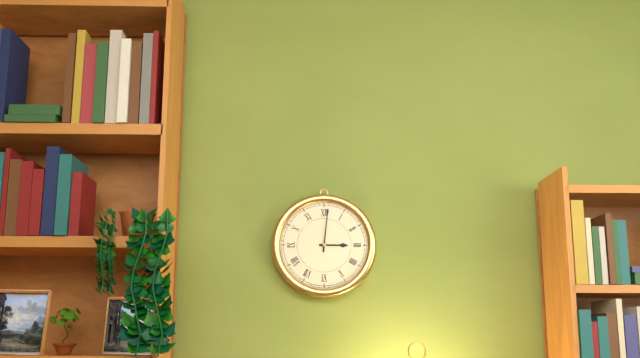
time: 3:01
